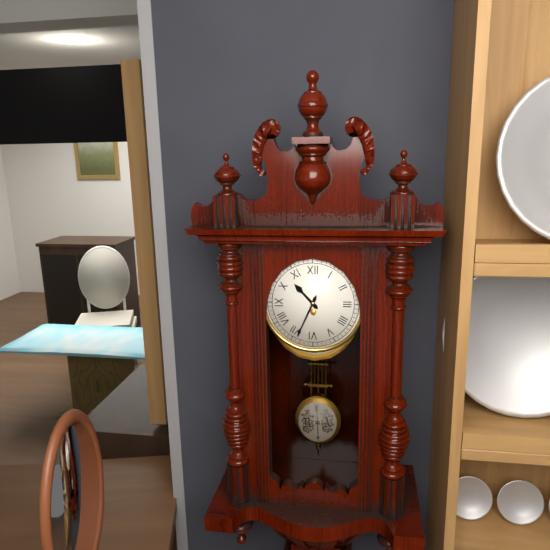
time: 10:34
